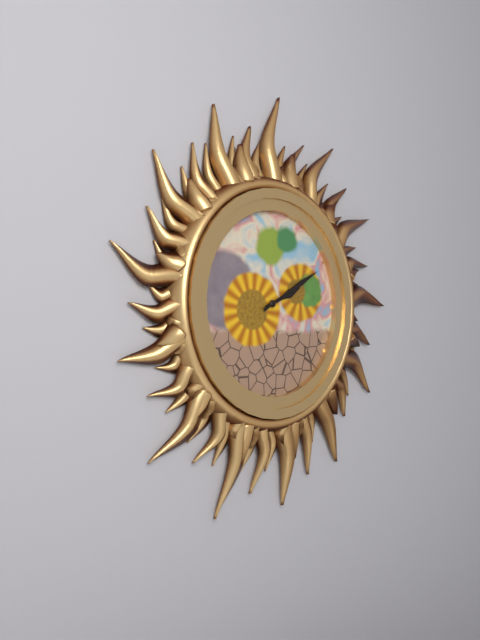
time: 2:10
